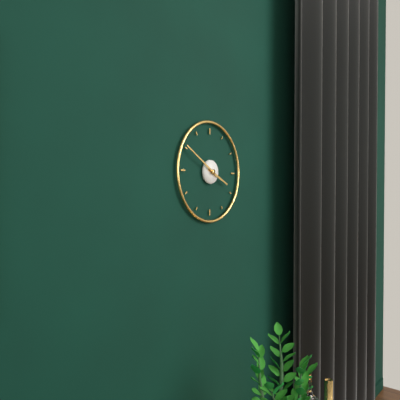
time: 3:50
